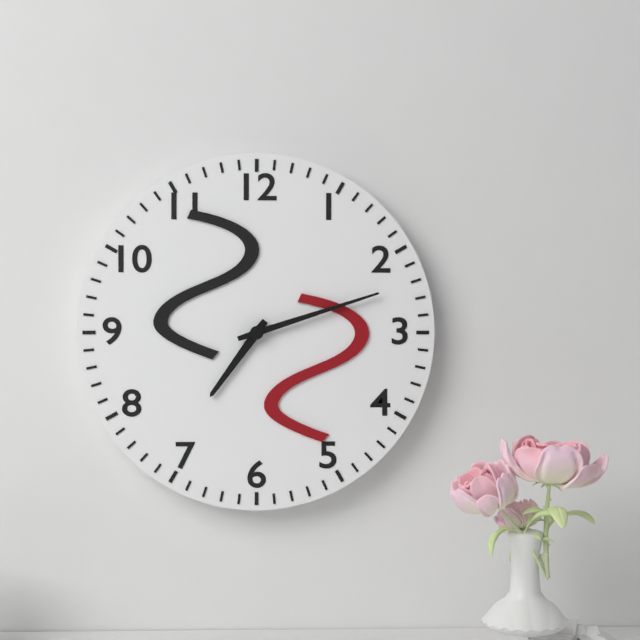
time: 7:12
